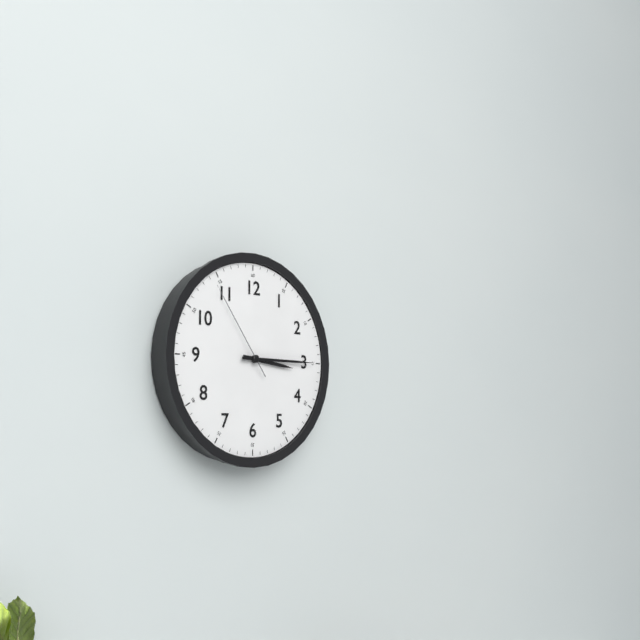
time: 3:15:54
